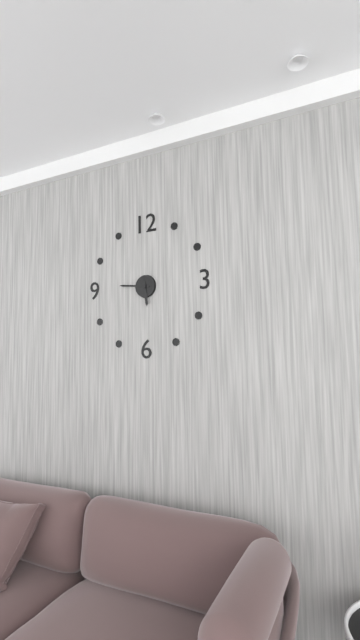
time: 5:46
